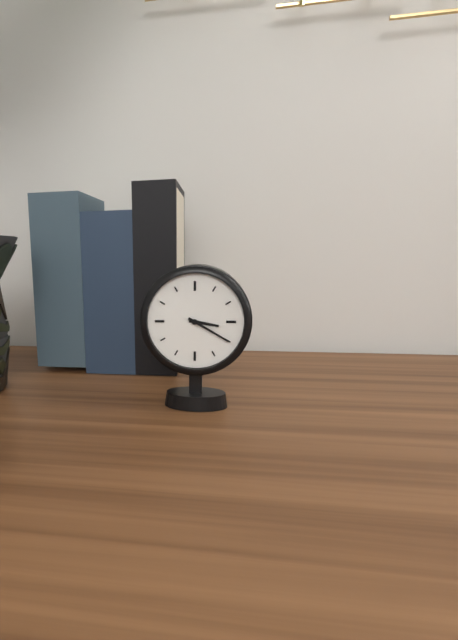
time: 3:20
